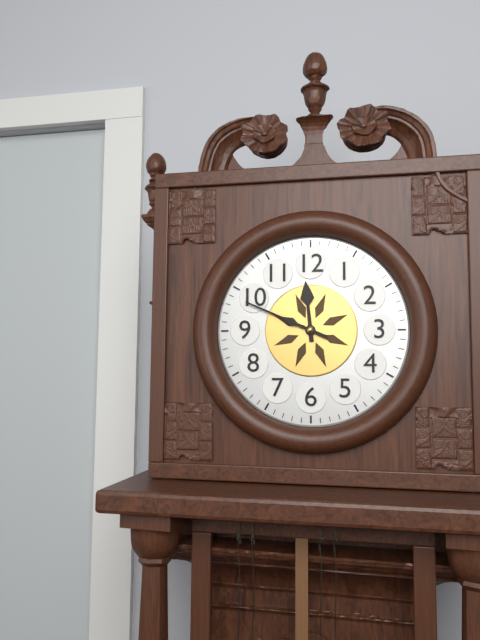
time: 11:49
